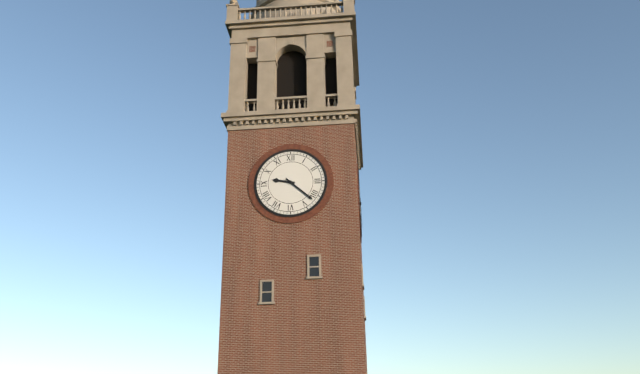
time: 9:22
